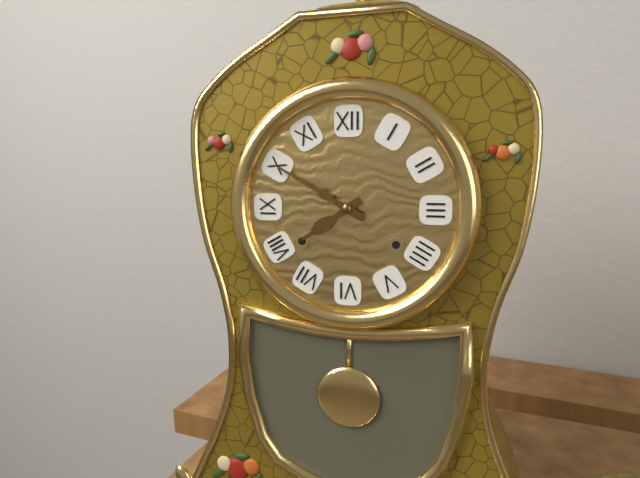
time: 7:50
